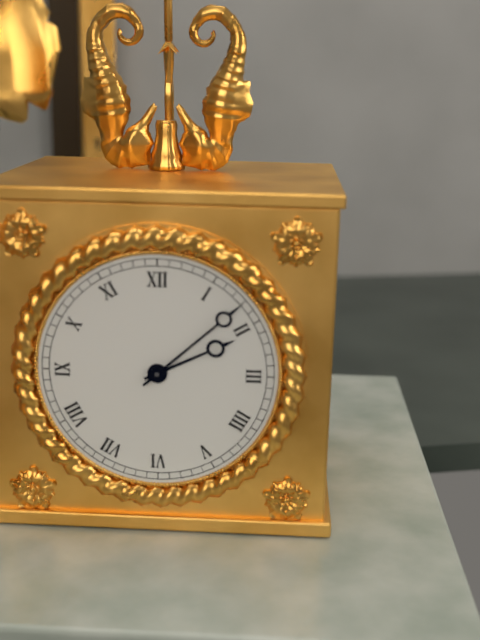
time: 2:08
